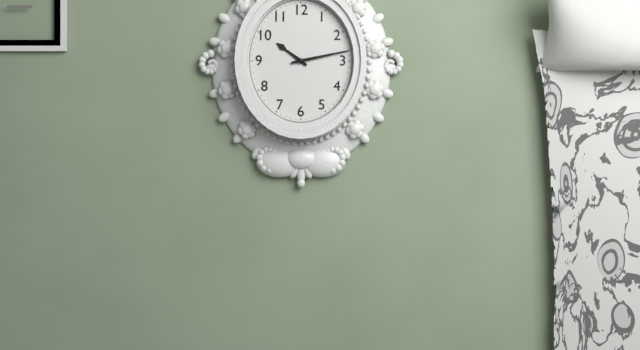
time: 10:13
